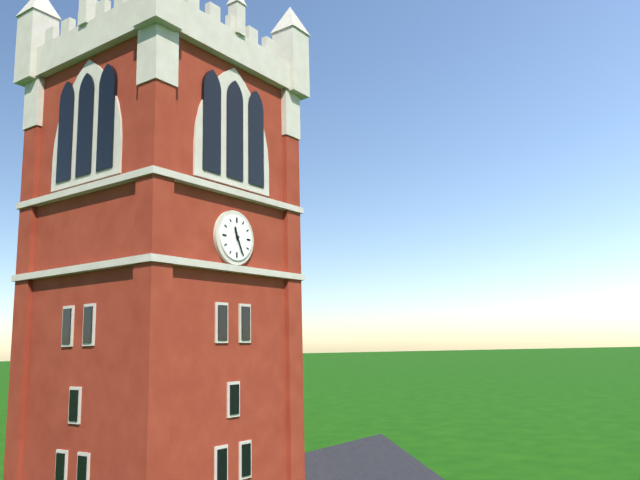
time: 11:26
